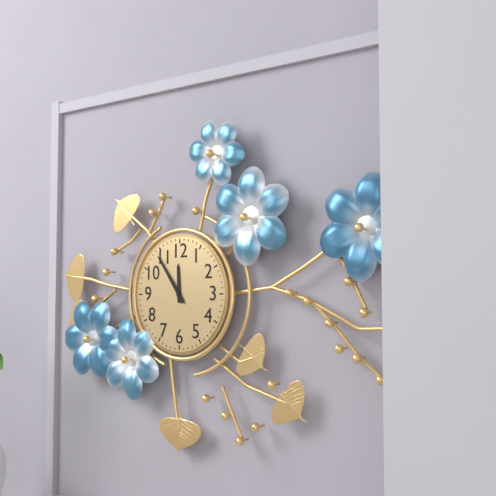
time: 11:54
